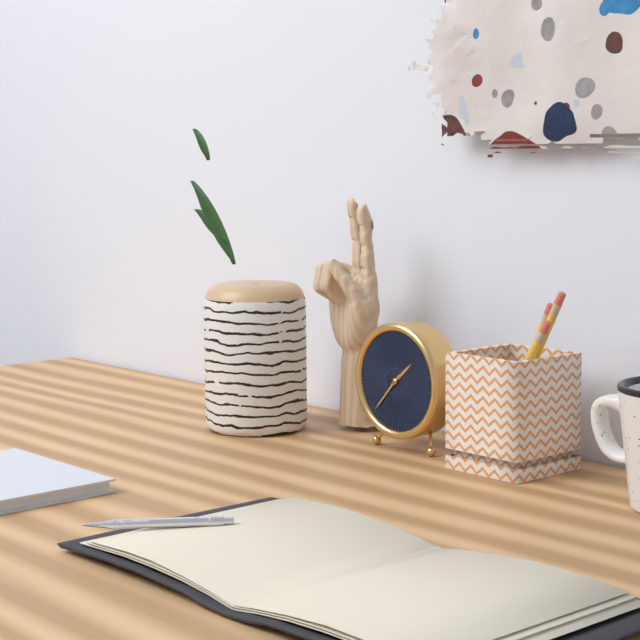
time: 1:37
